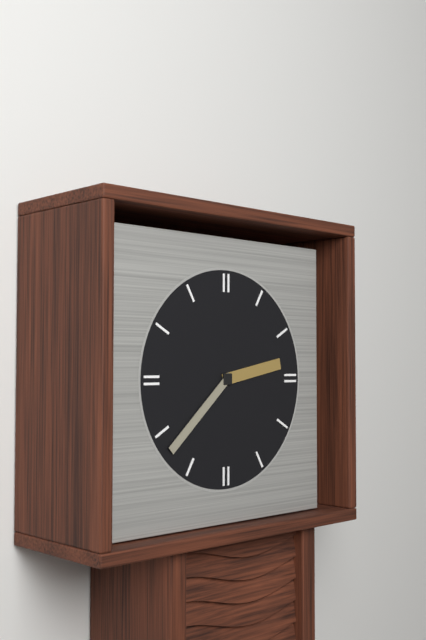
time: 2:38
